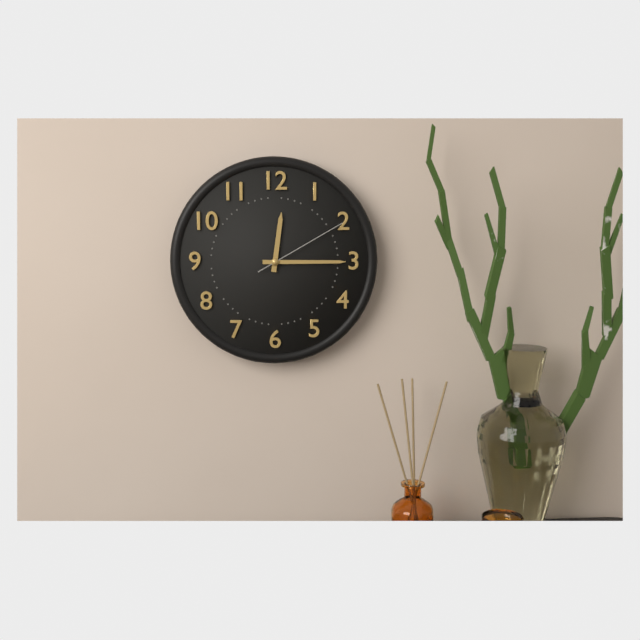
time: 12:15:10
